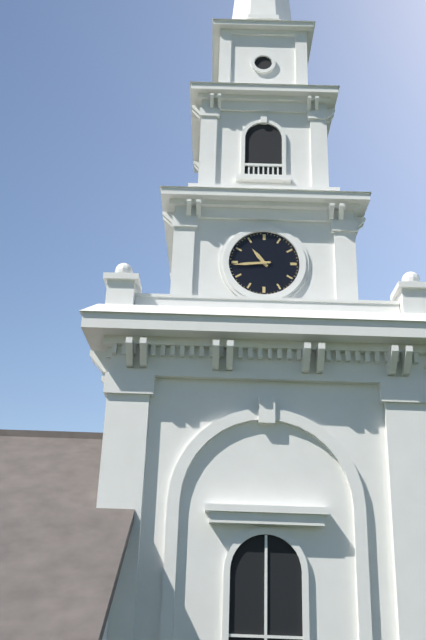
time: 10:44
